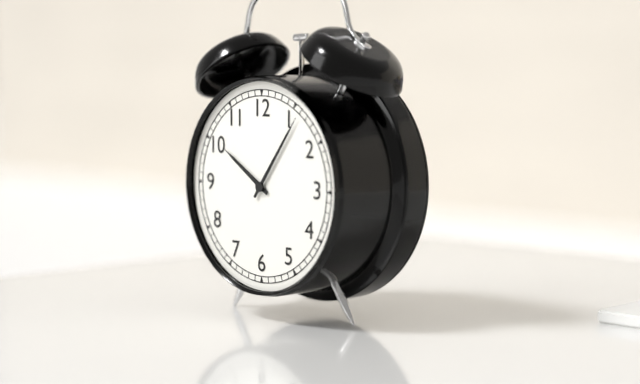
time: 10:06
